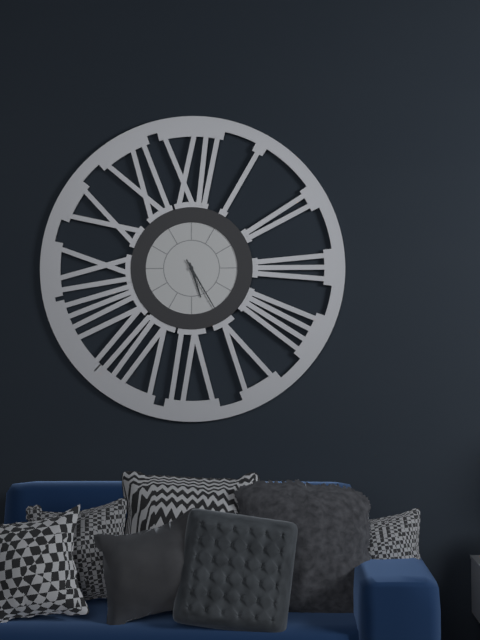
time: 5:25
